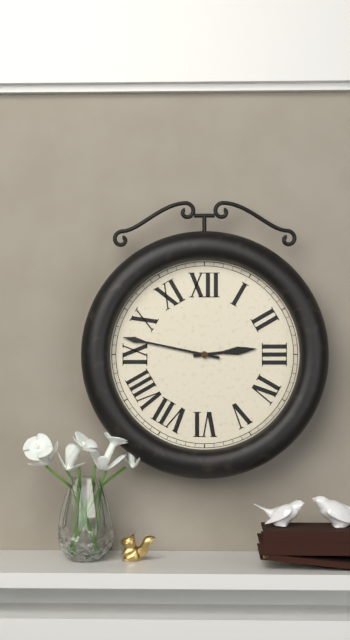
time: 2:47
